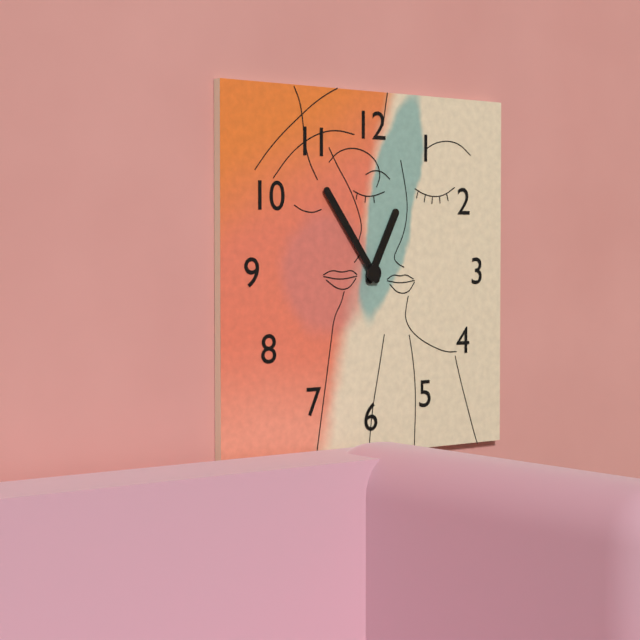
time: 12:54
